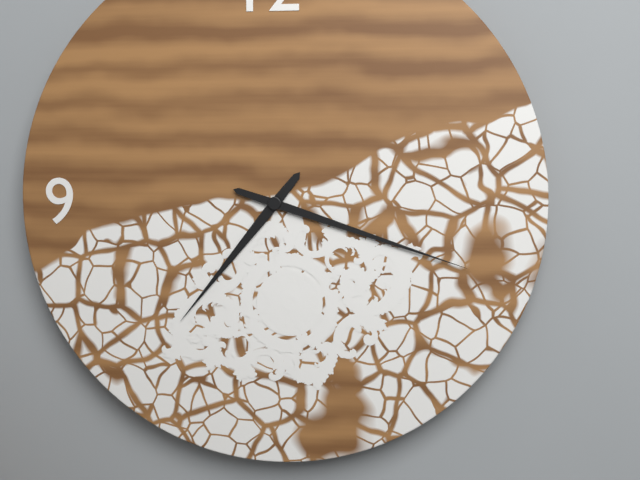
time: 7:18
